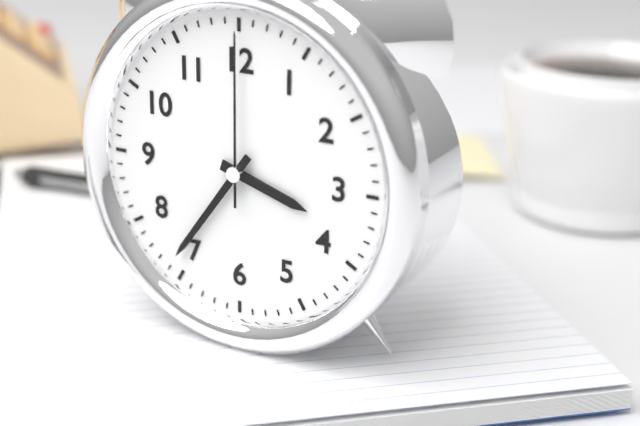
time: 3:36:00
